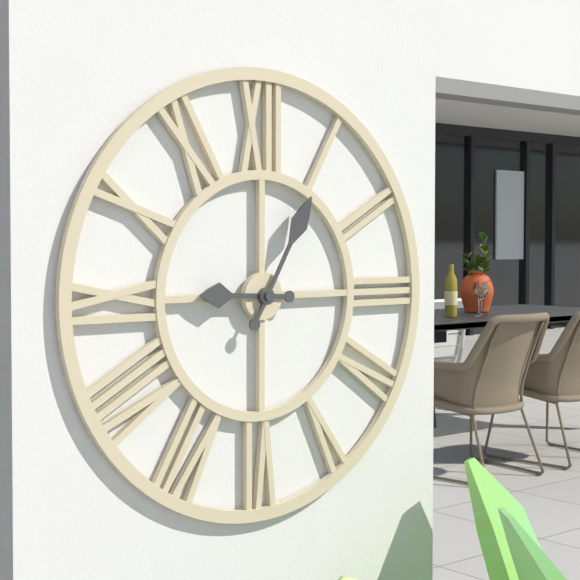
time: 9:05
